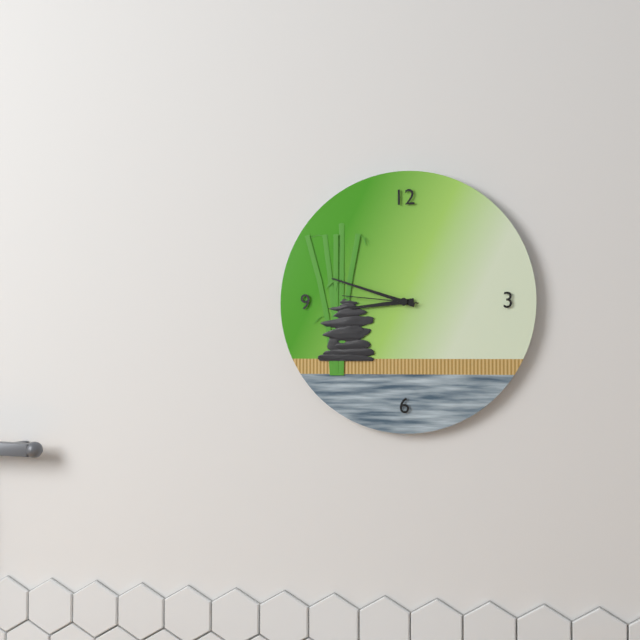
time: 8:48:46
